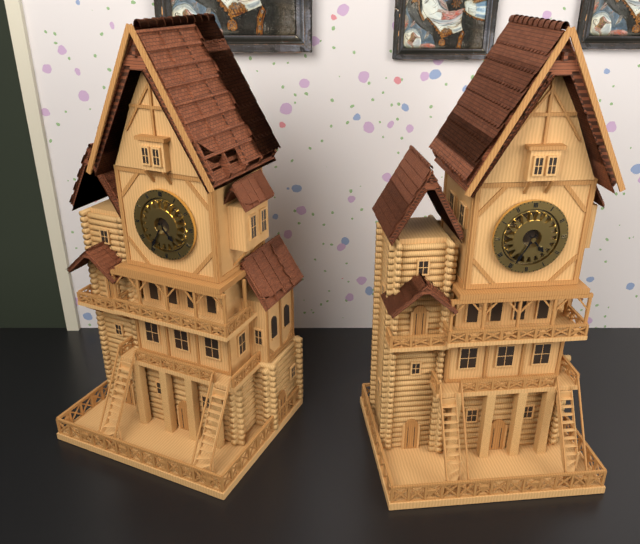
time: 4:35
